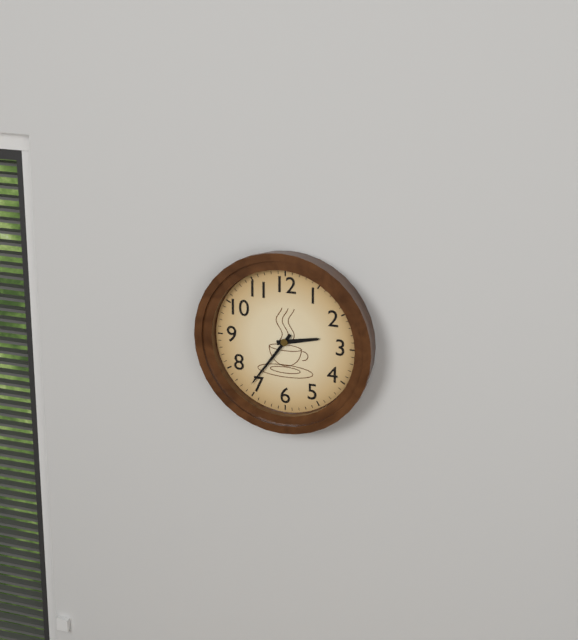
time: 2:36
